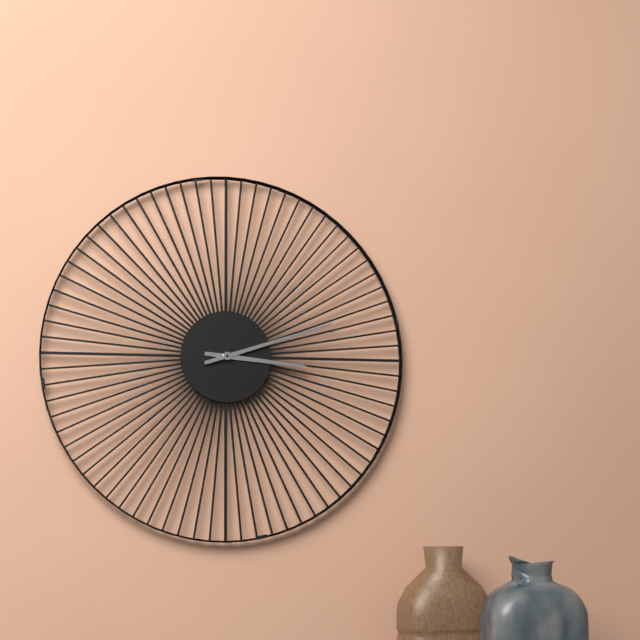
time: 3:12
